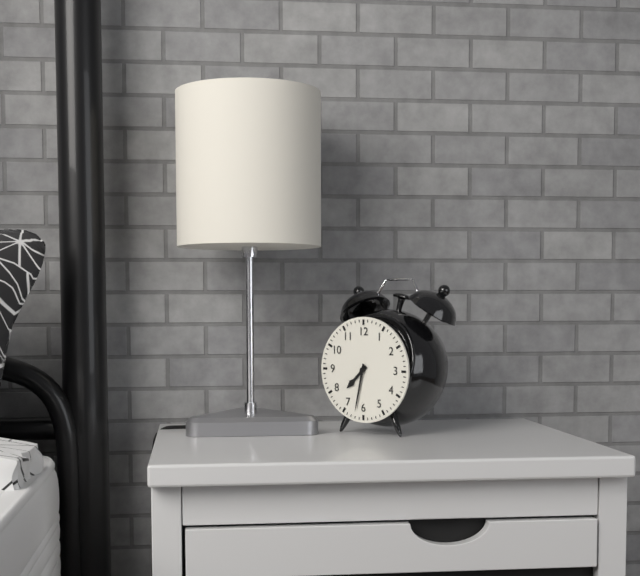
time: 7:32
